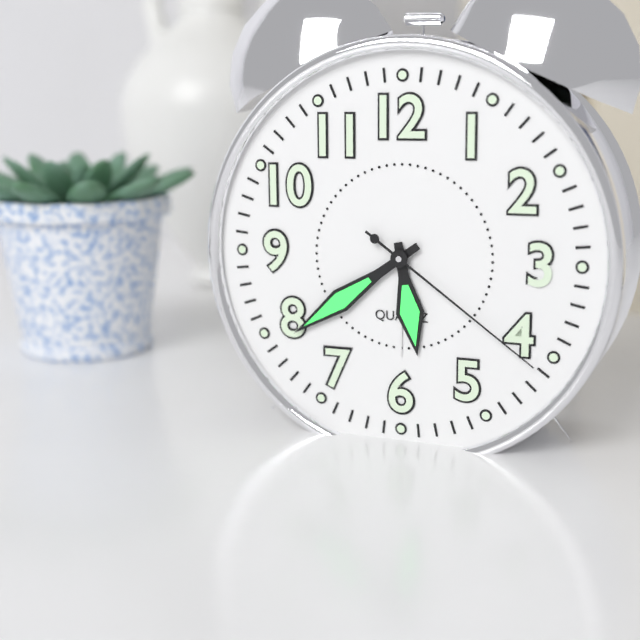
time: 5:39:21
